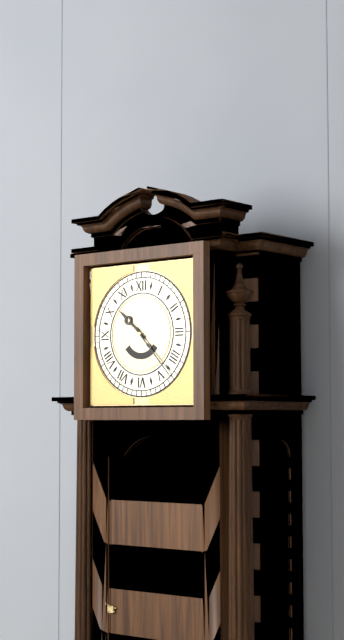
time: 10:23
